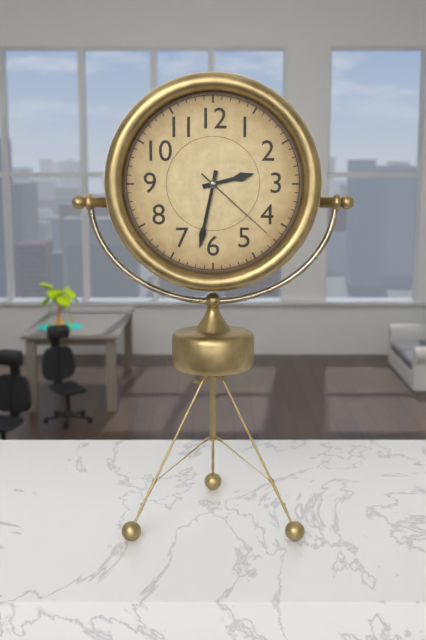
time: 2:32:22
